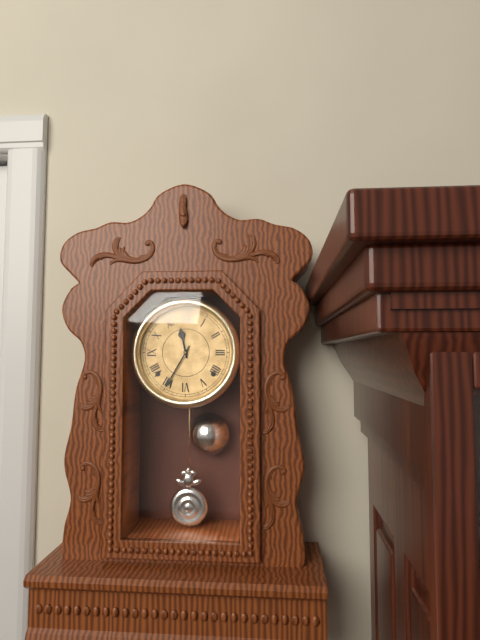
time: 11:35
